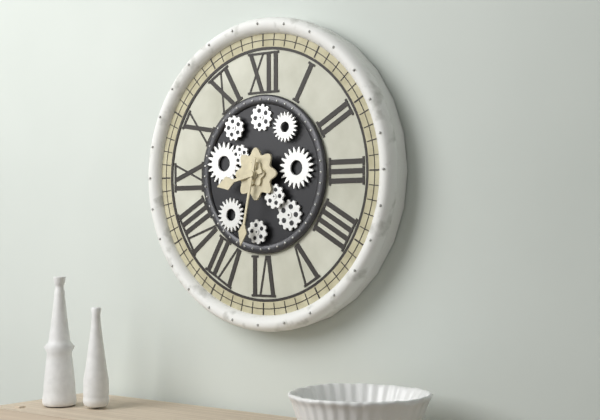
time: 8:32
